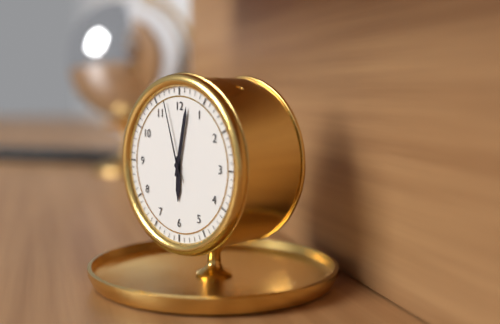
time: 6:02:57
